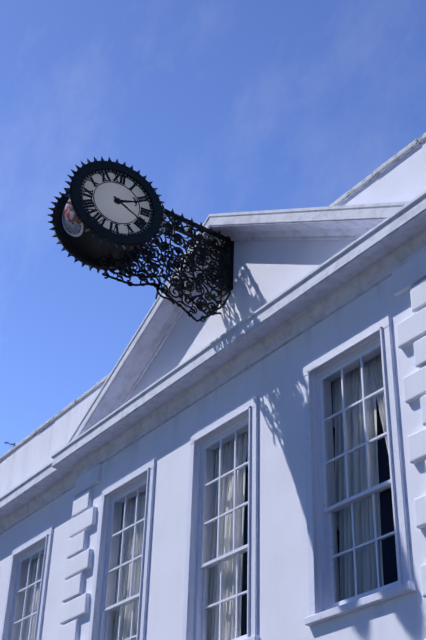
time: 2:20
